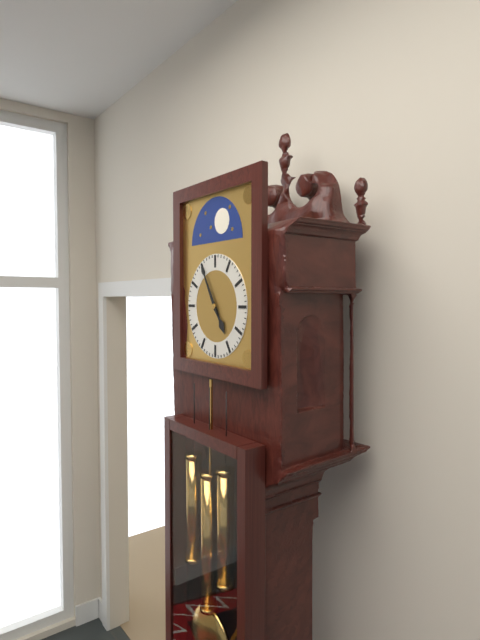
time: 4:55
